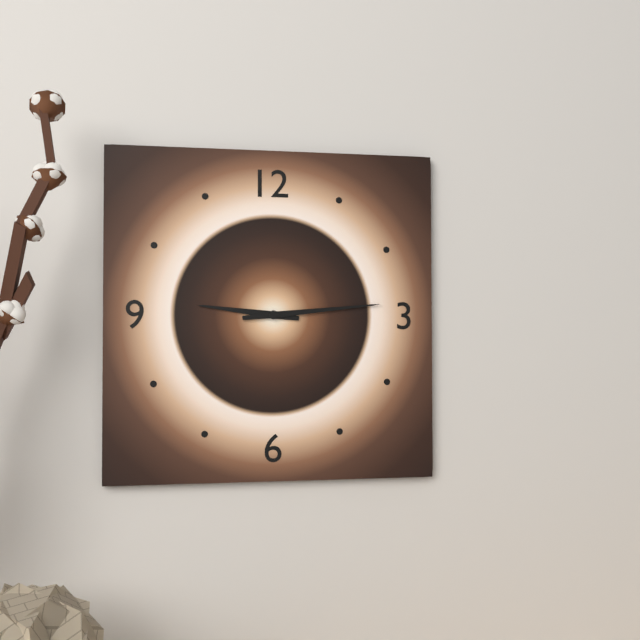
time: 9:14
